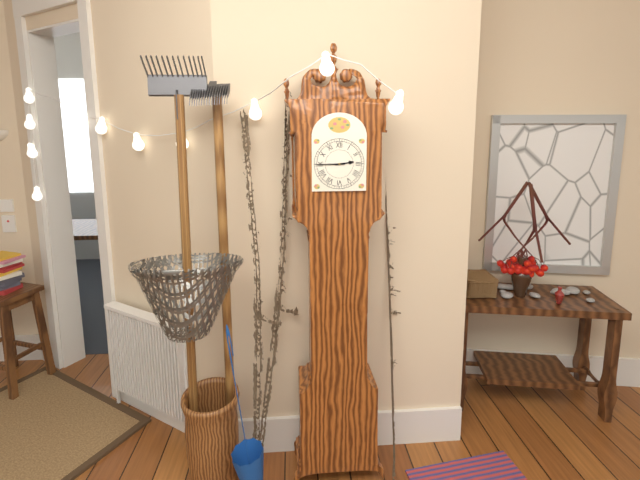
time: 2:45
